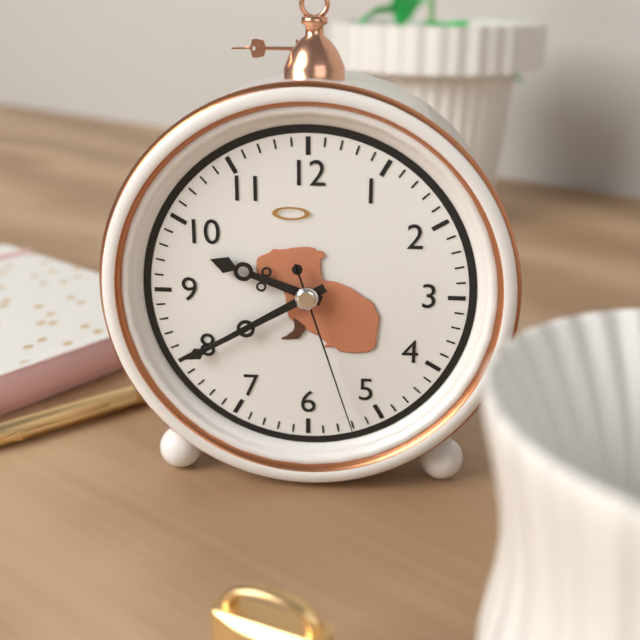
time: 9:40:27
